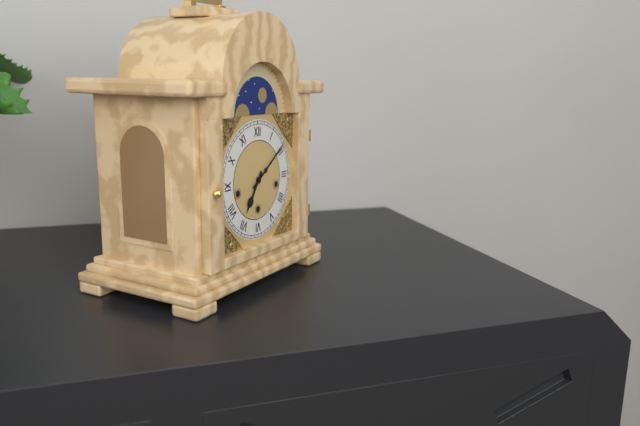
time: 7:09
